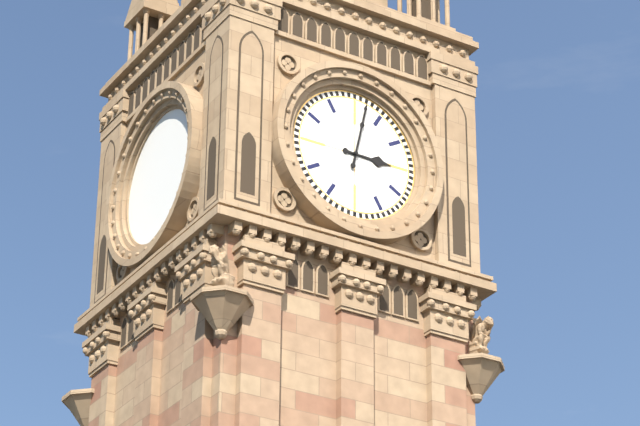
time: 3:02
